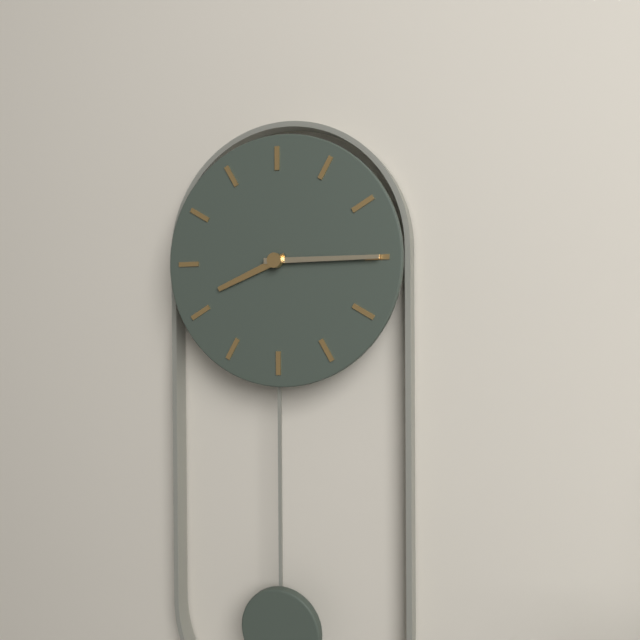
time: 8:15
